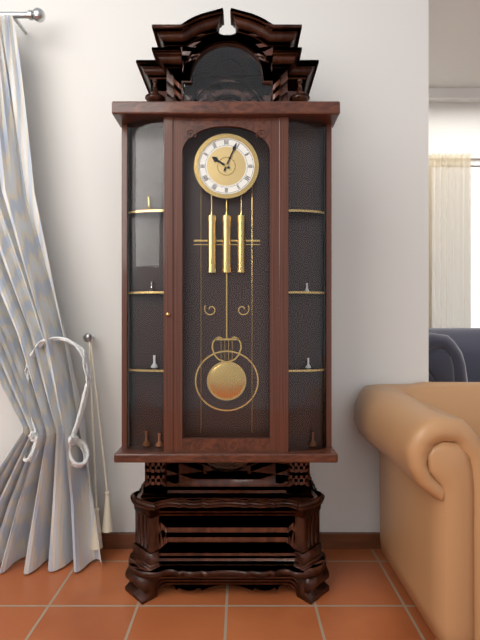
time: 10:04
